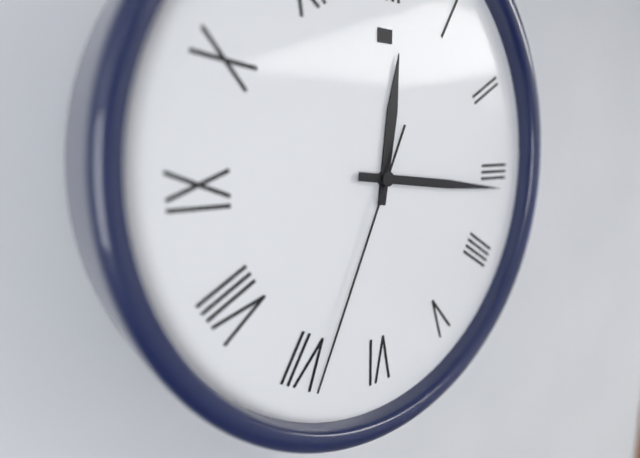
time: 12:16:34
